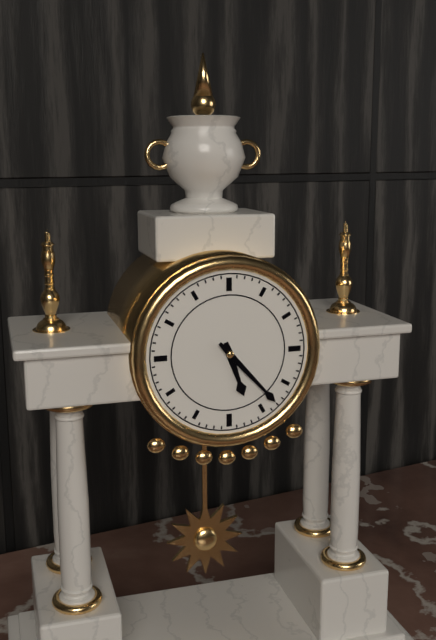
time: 5:23
